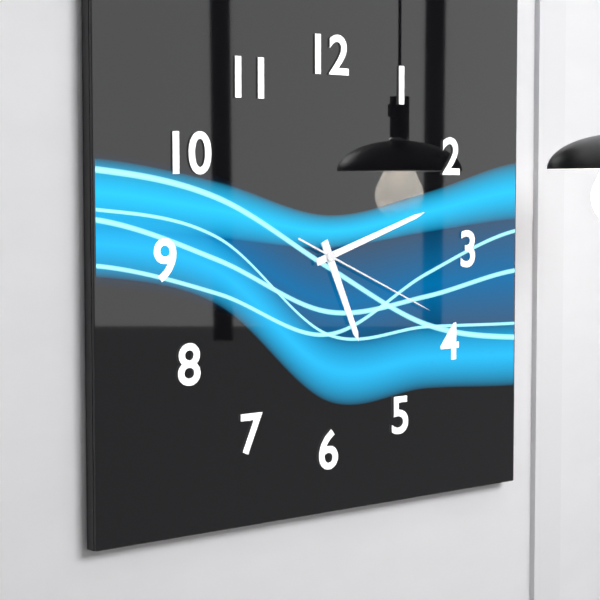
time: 5:12:19
